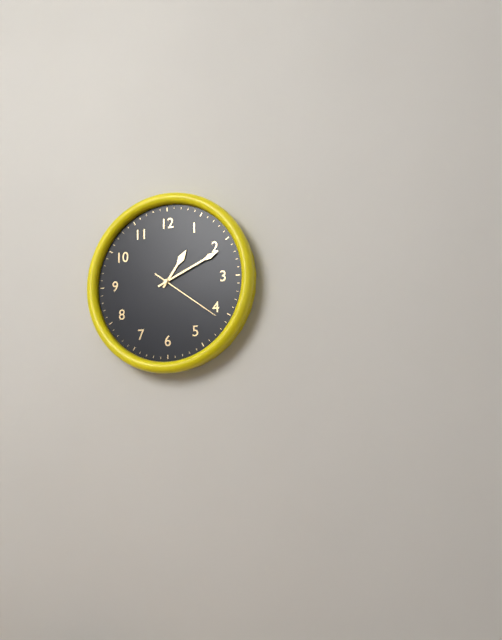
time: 1:11:21
